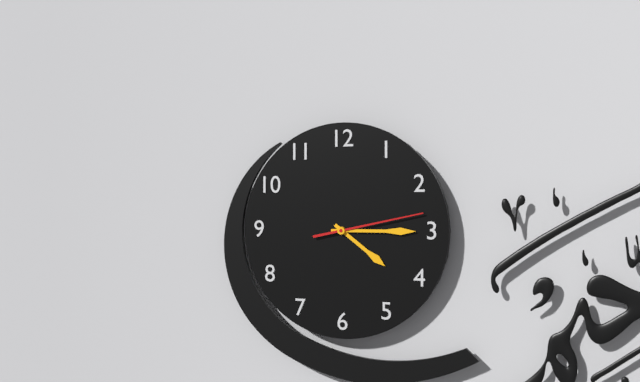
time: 4:15:13
